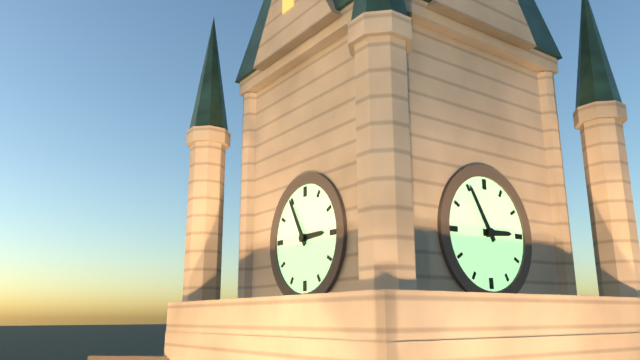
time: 2:55
